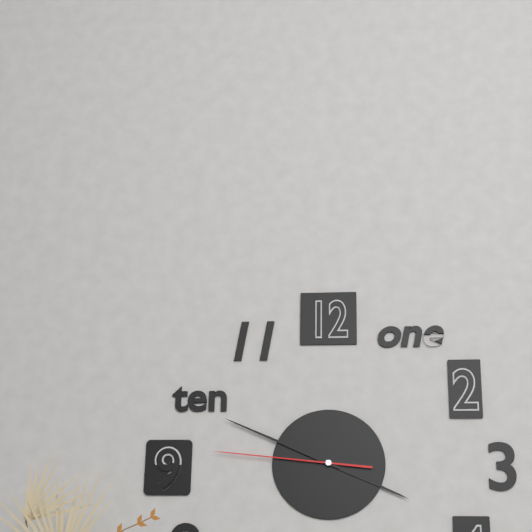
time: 3:49:46
